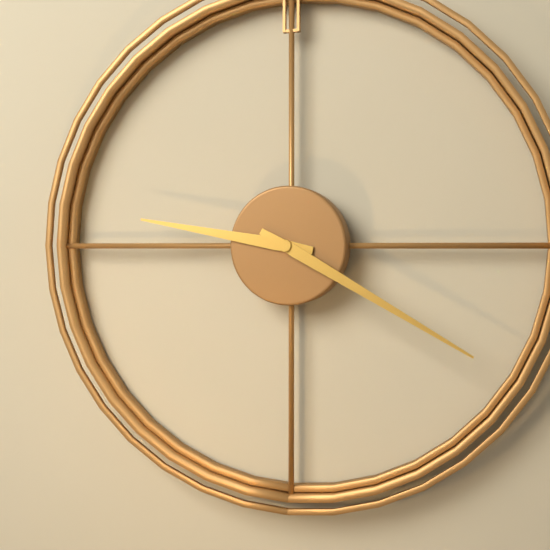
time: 9:20
